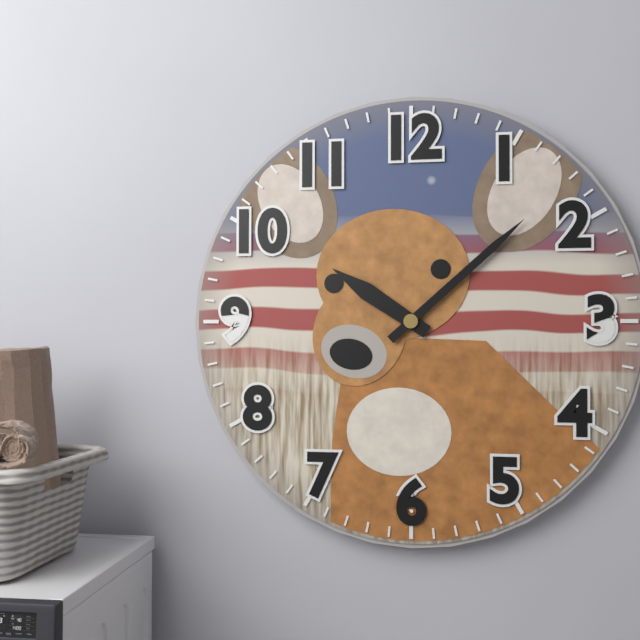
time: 10:08
